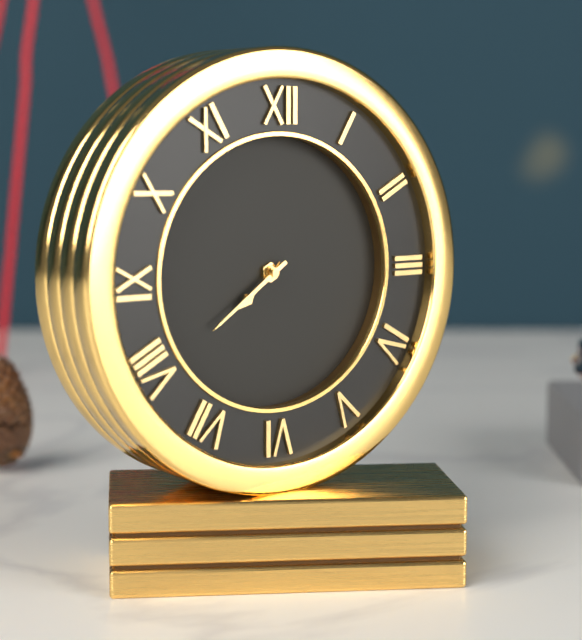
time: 7:39
